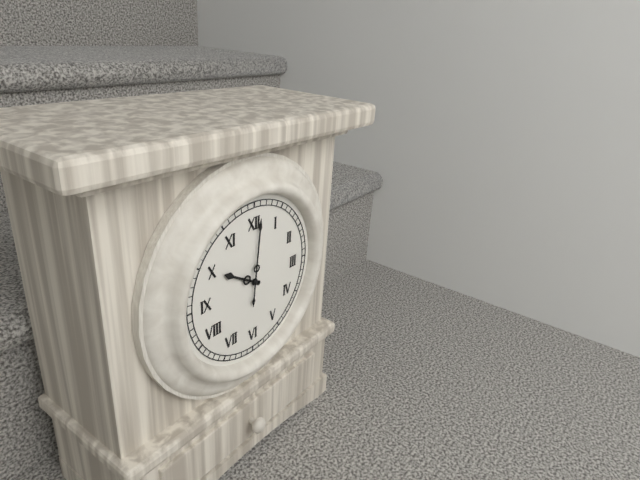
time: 10:01
